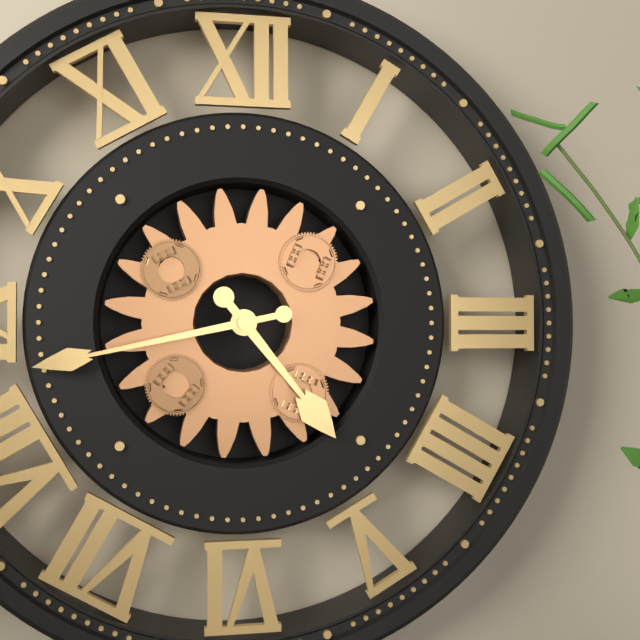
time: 4:43
